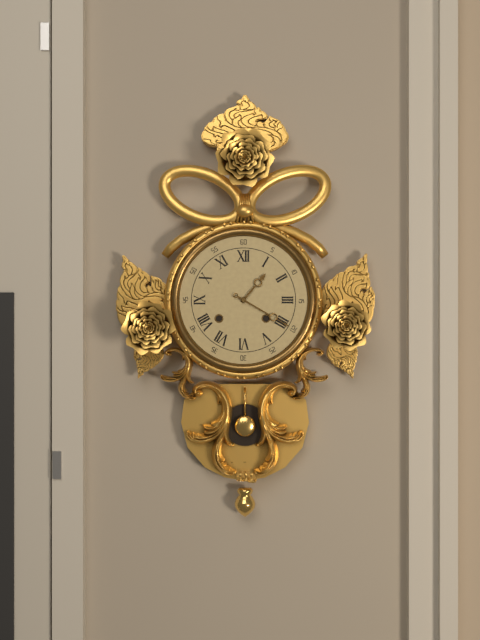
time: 1:20
